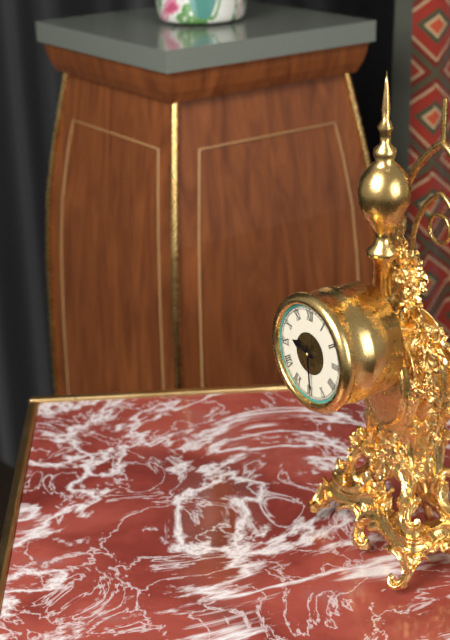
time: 9:29
